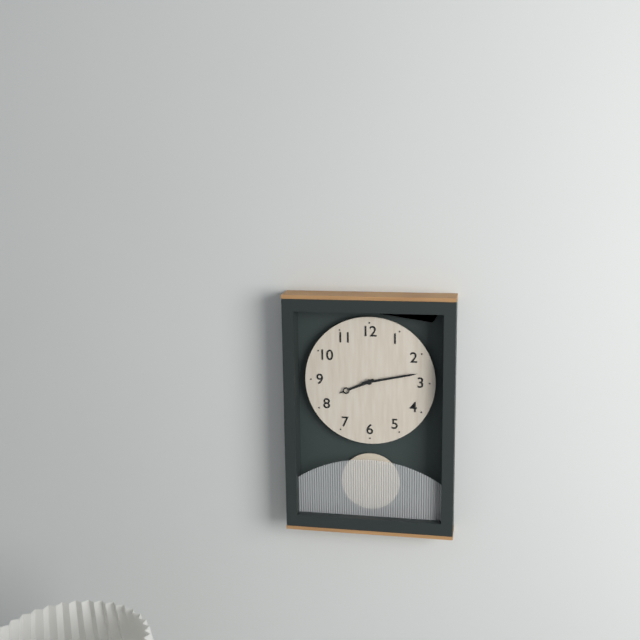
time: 8:13
